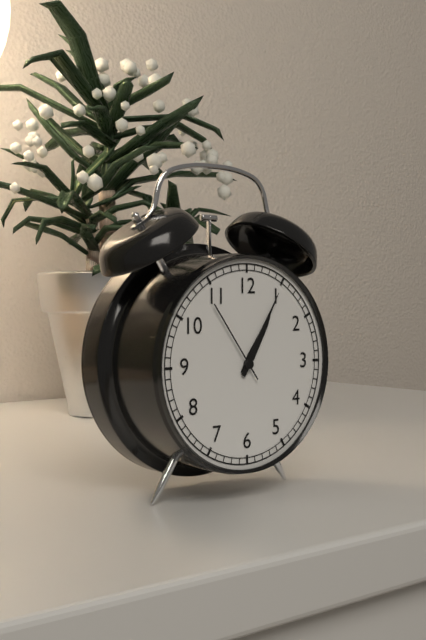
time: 1:05:54
